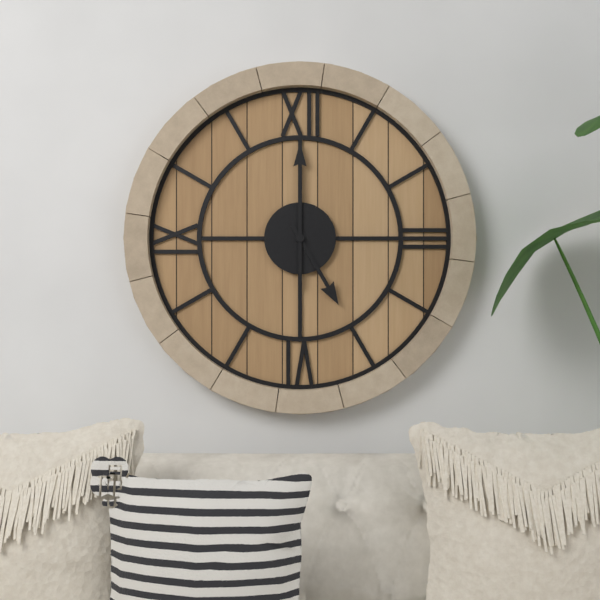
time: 5:00
